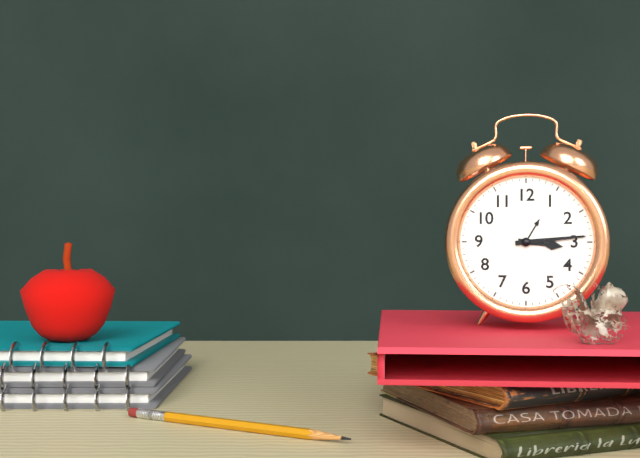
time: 3:14
